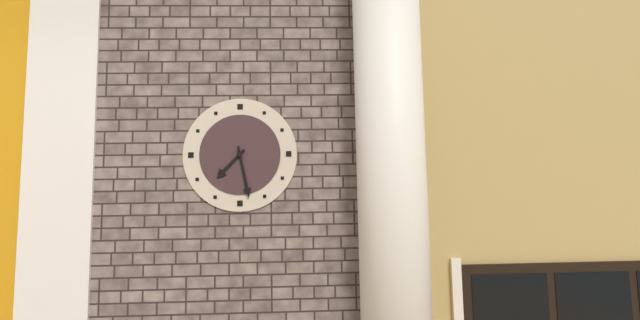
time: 7:28
